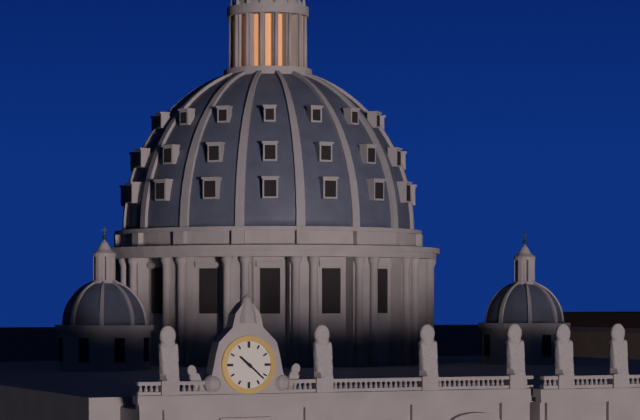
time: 10:22
